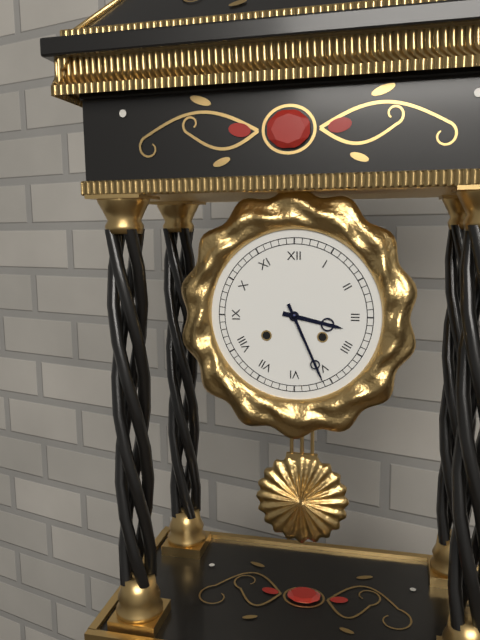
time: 3:26
